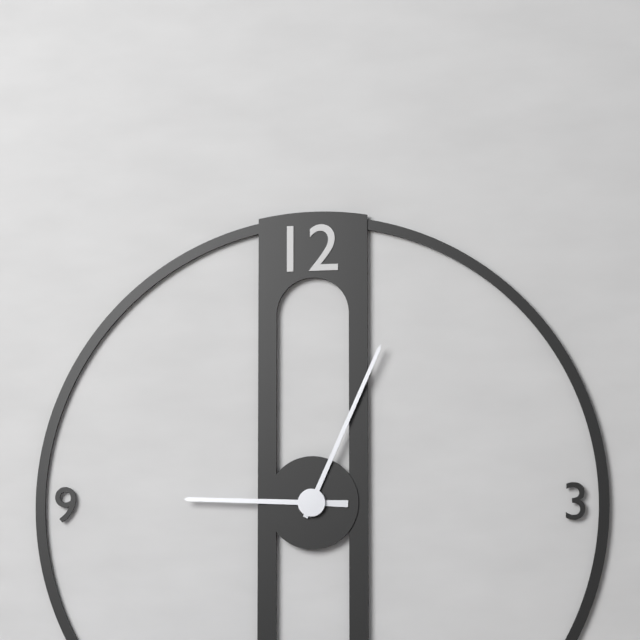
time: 9:04
